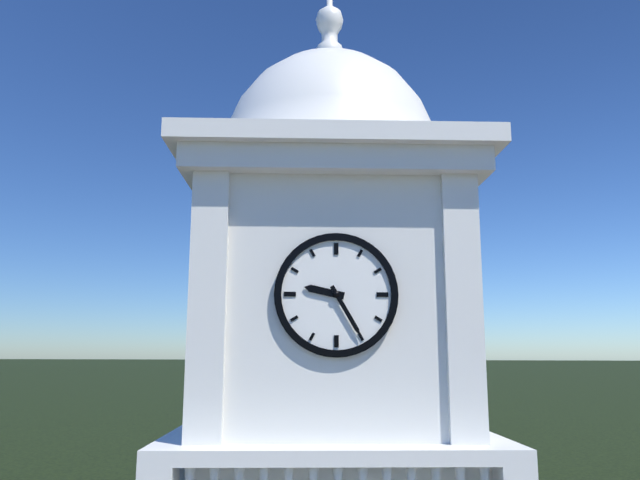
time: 9:25
